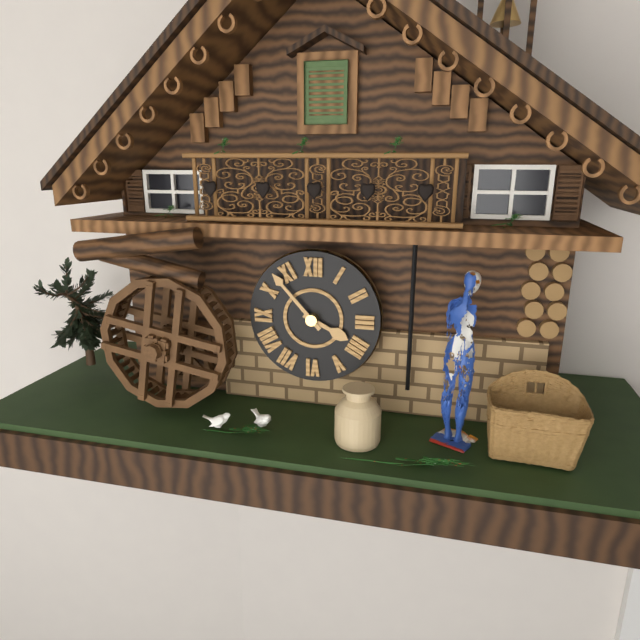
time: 3:53
